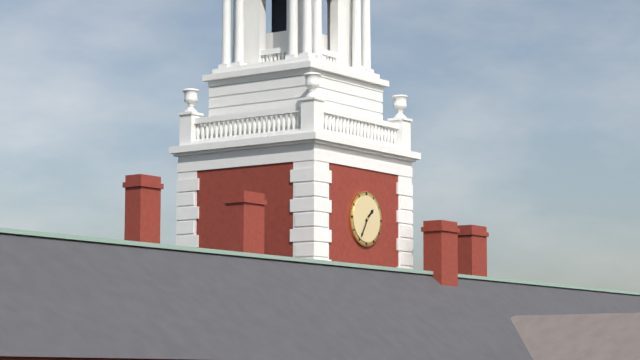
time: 1:35
